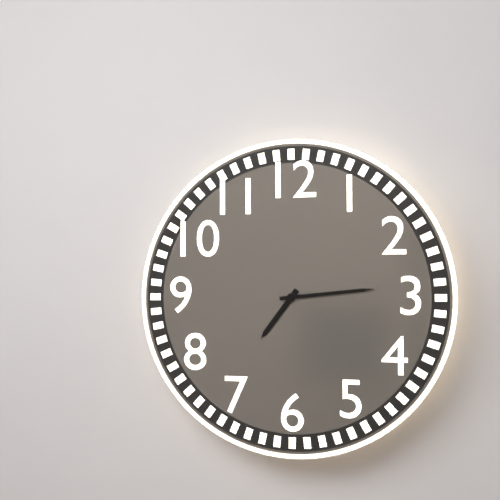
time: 7:14
